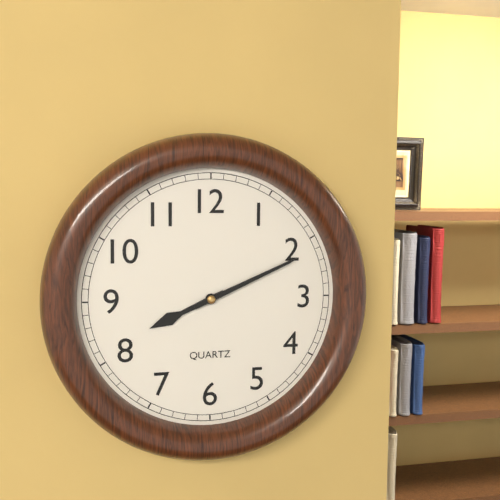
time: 8:11
